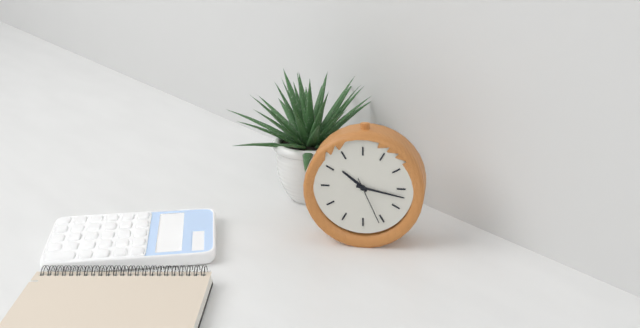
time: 10:17:26
